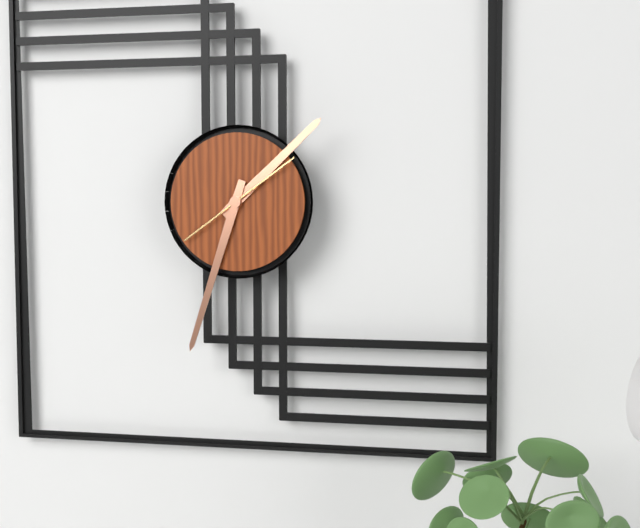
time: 1:33:09
